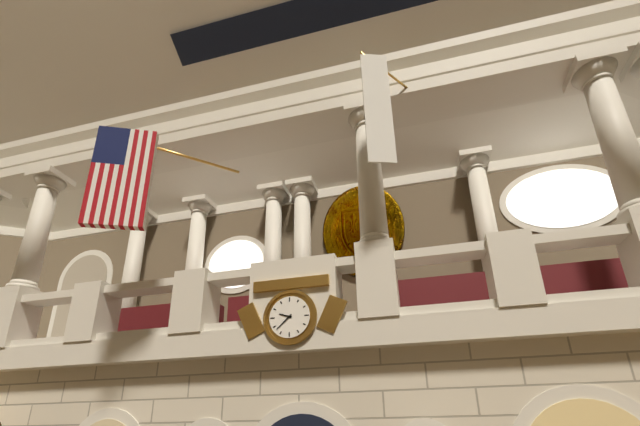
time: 9:38
